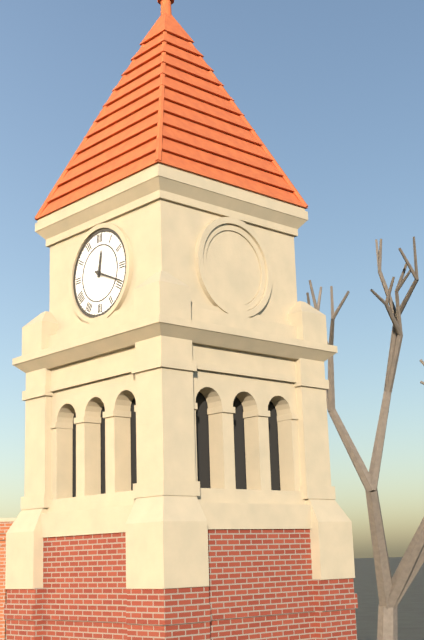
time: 12:19
